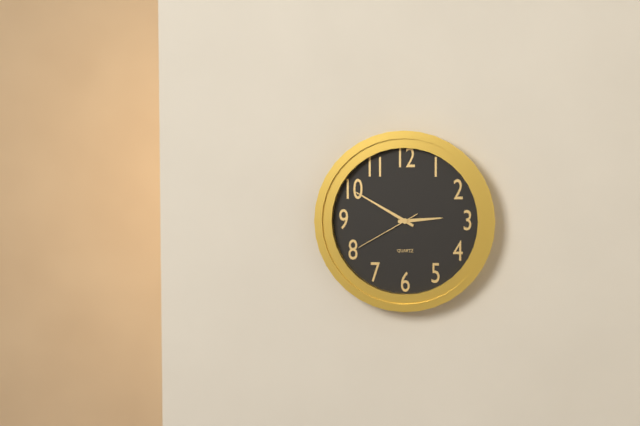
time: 2:50:40
